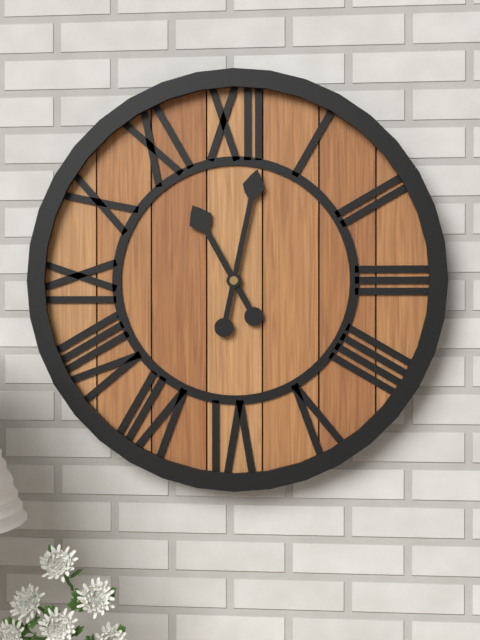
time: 11:02
